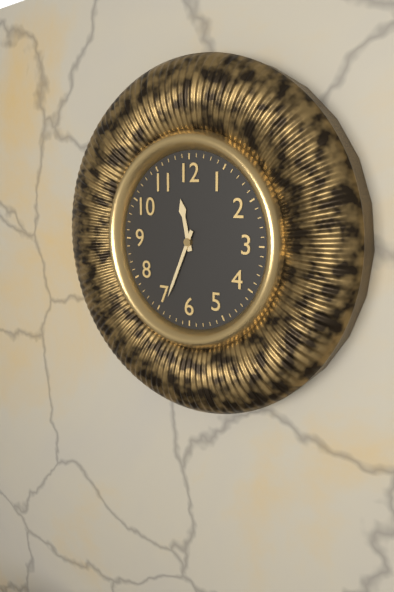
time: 11:34
